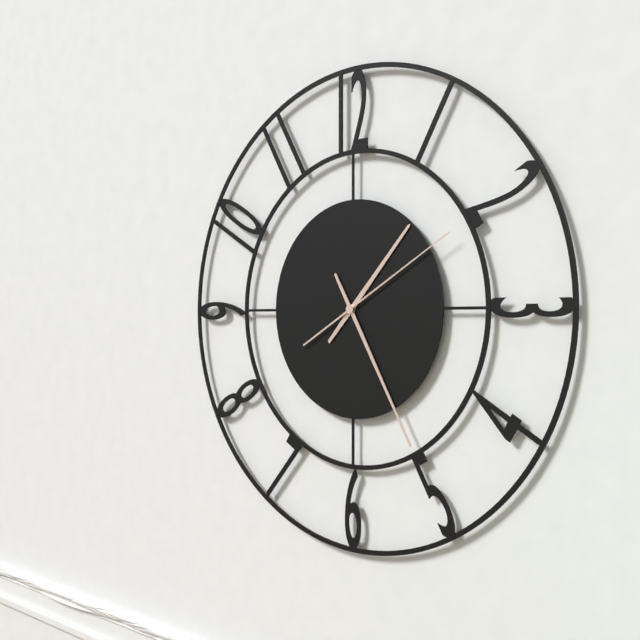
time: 1:25:10
